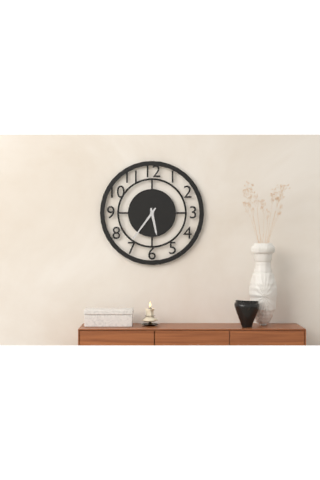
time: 5:36
